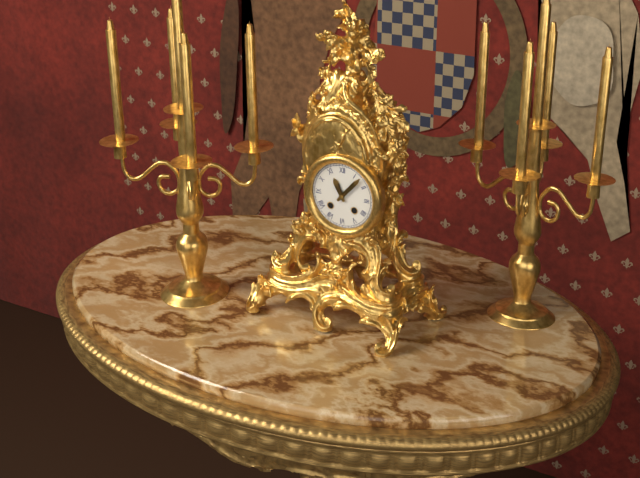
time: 11:07
